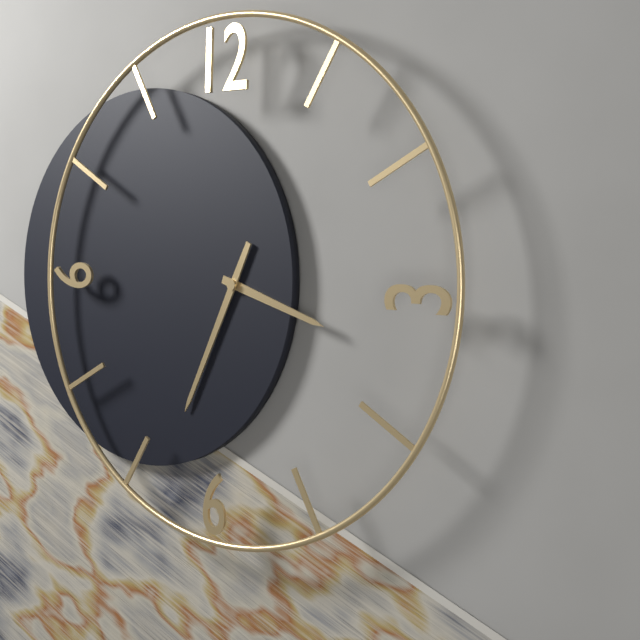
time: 3:34
